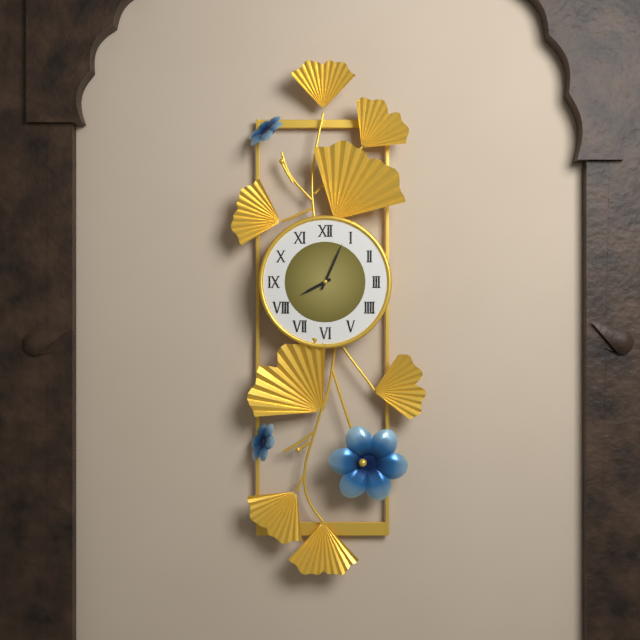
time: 8:04
